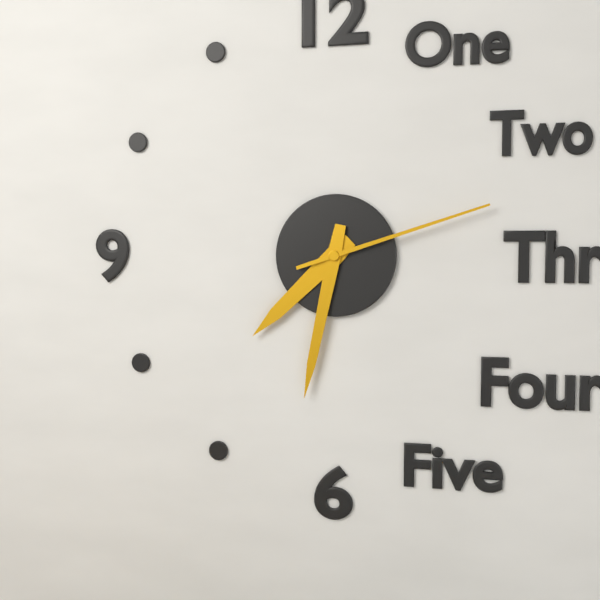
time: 7:32:12
